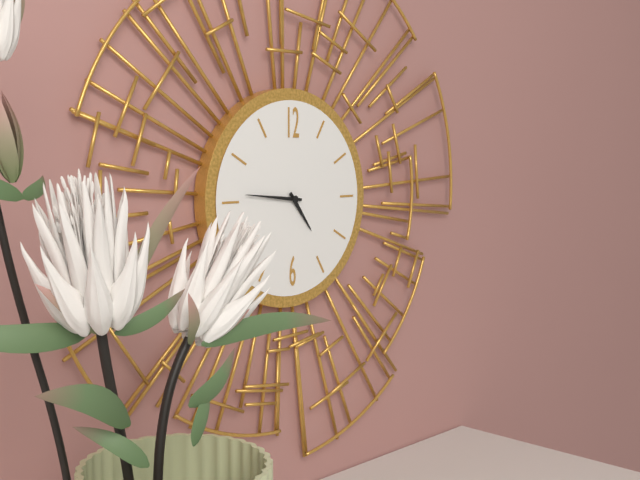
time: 4:46
